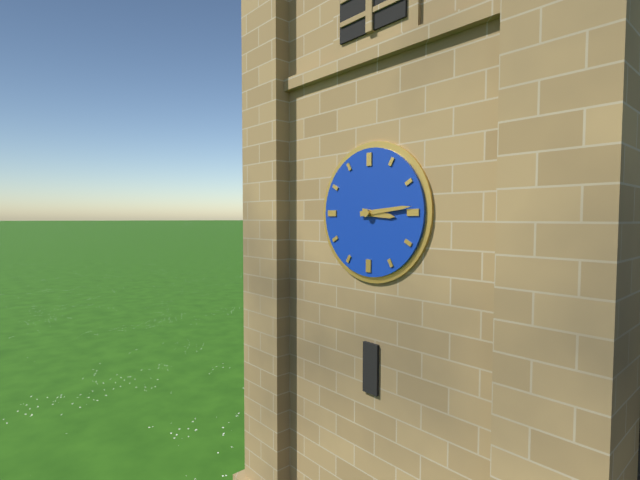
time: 3:14
